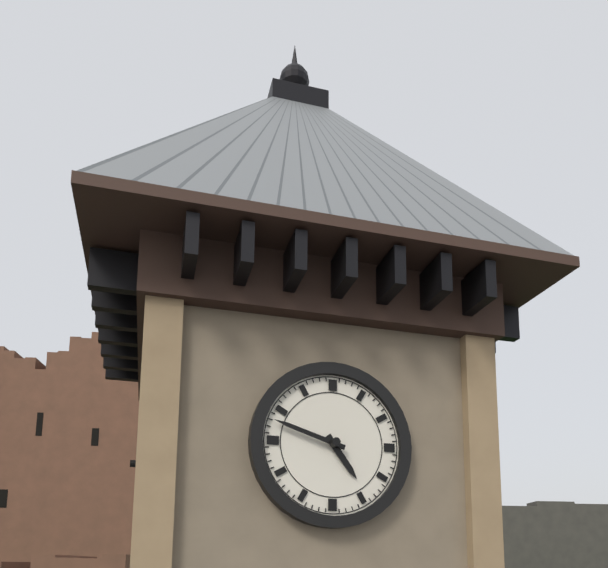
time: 4:48
